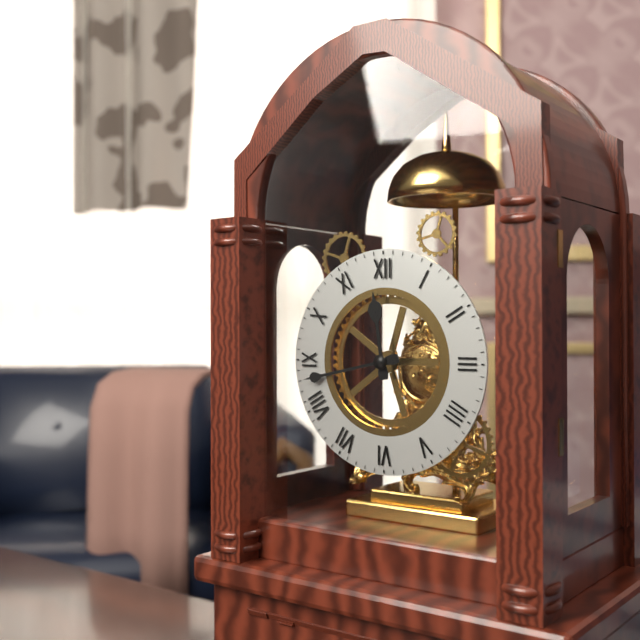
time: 11:43
